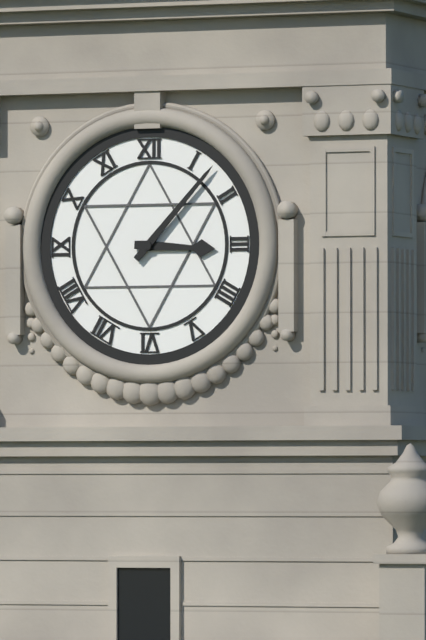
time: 3:07
